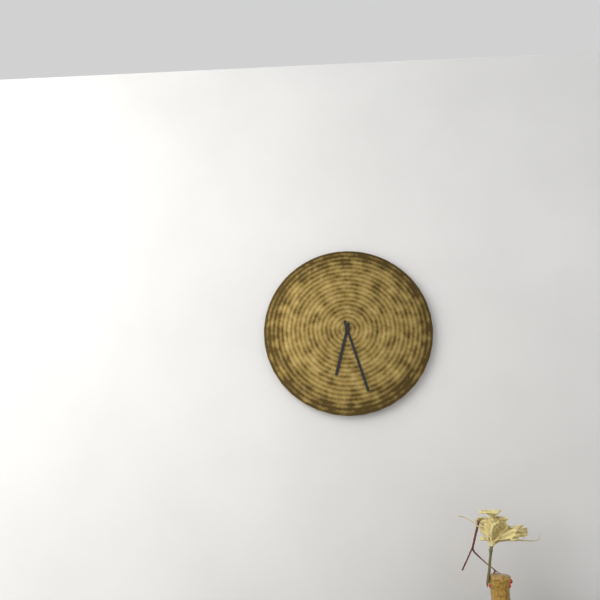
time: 6:27
